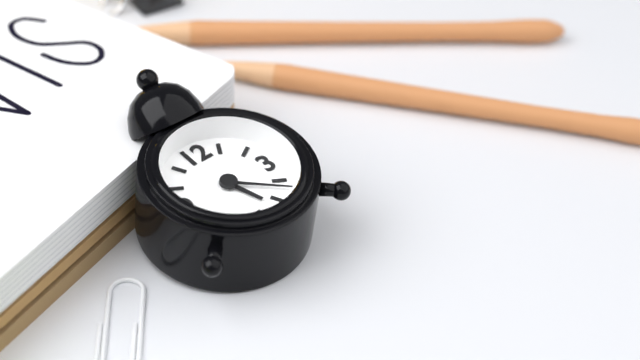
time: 5:22
